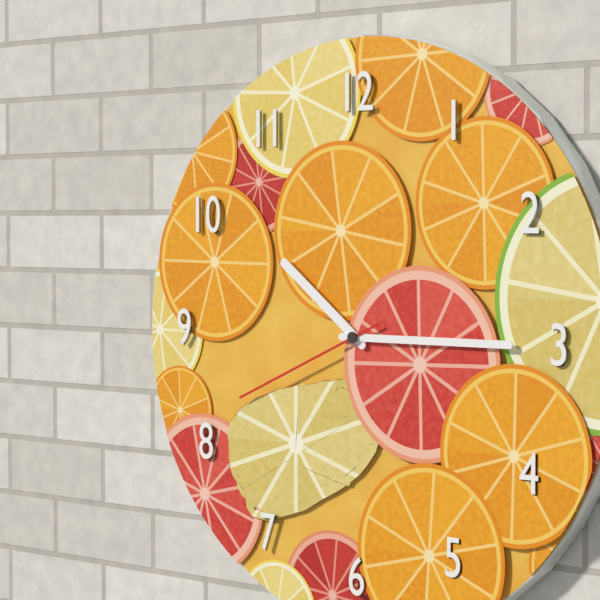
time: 10:15:41
